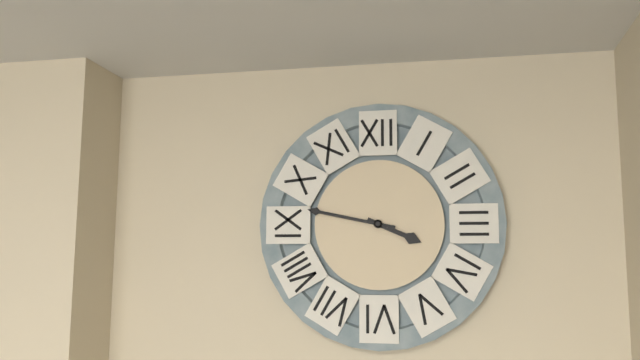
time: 3:47
